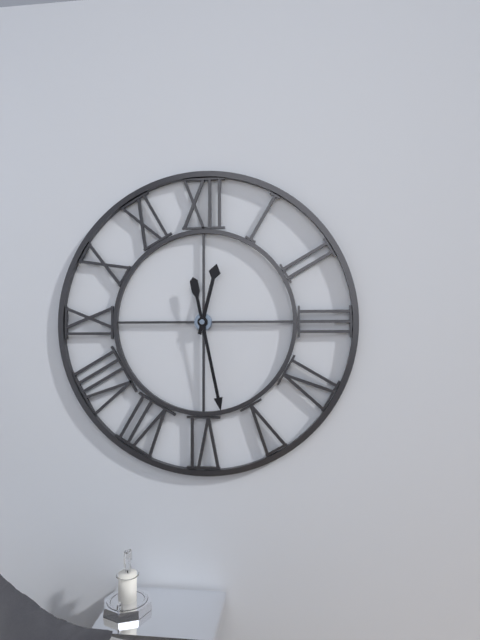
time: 12:28
